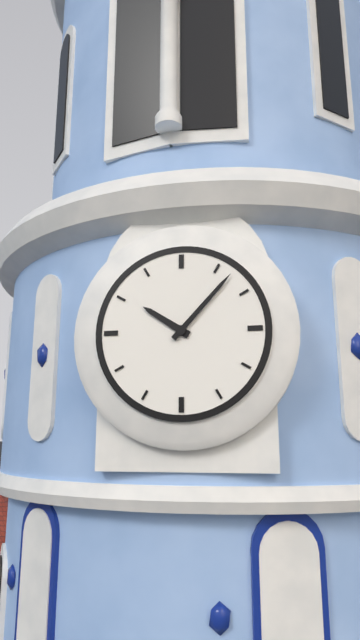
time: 10:07
